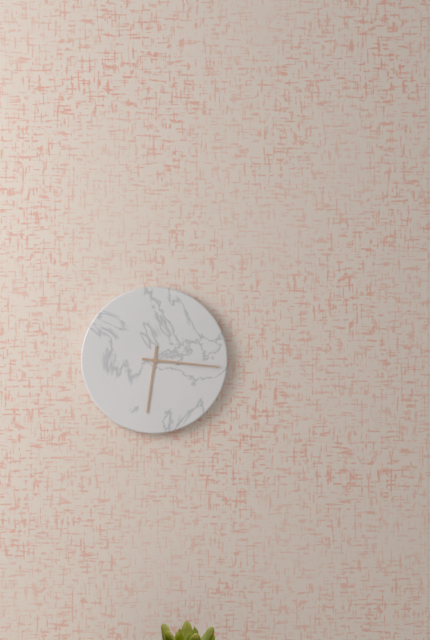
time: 6:16
